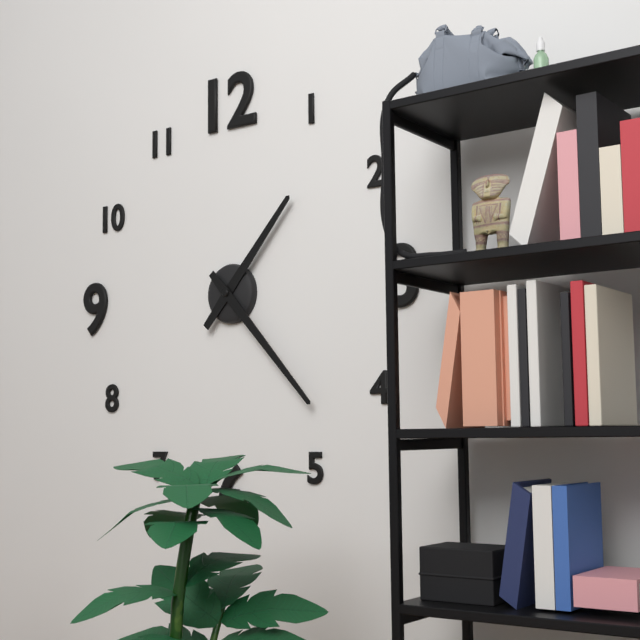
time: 1:23
